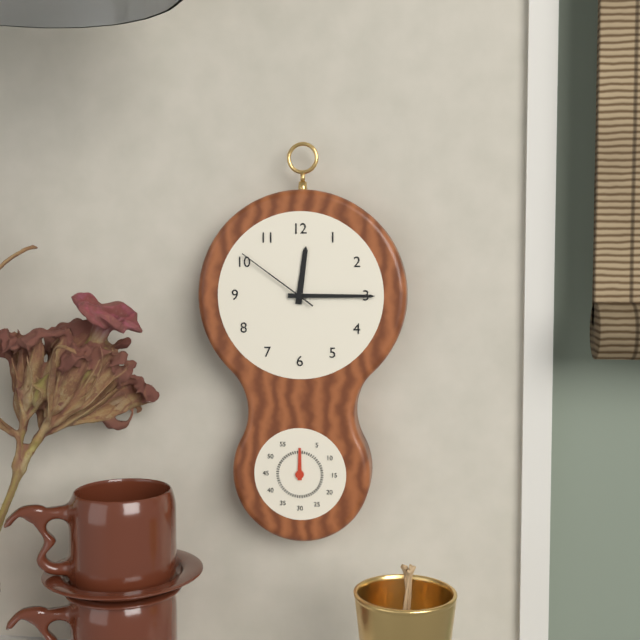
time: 12:15:51
